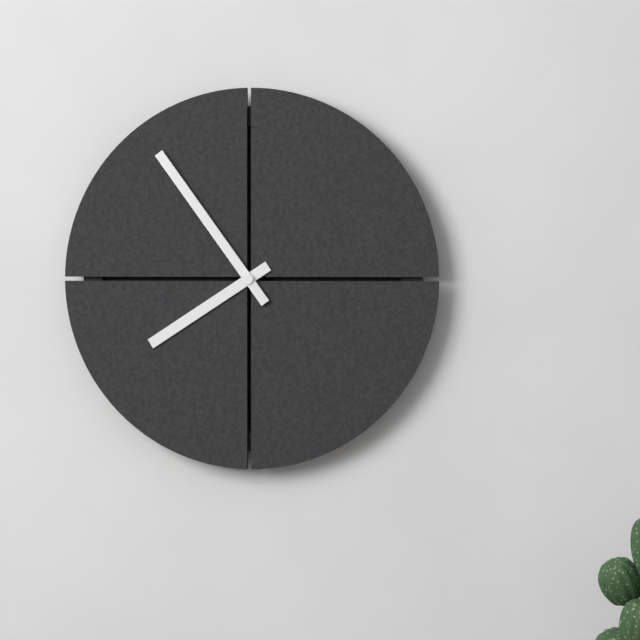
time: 7:54
